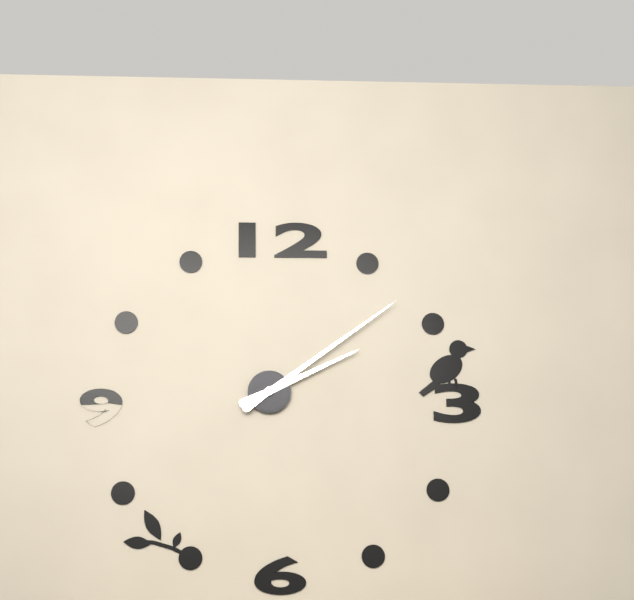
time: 2:09
